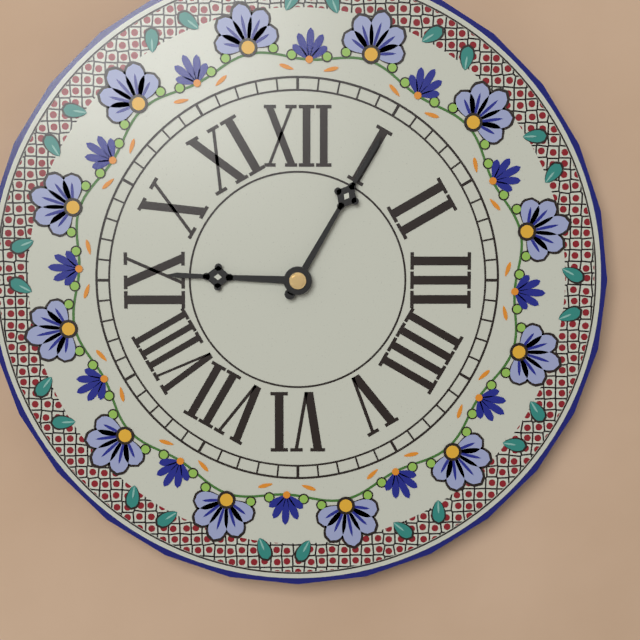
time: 9:05
